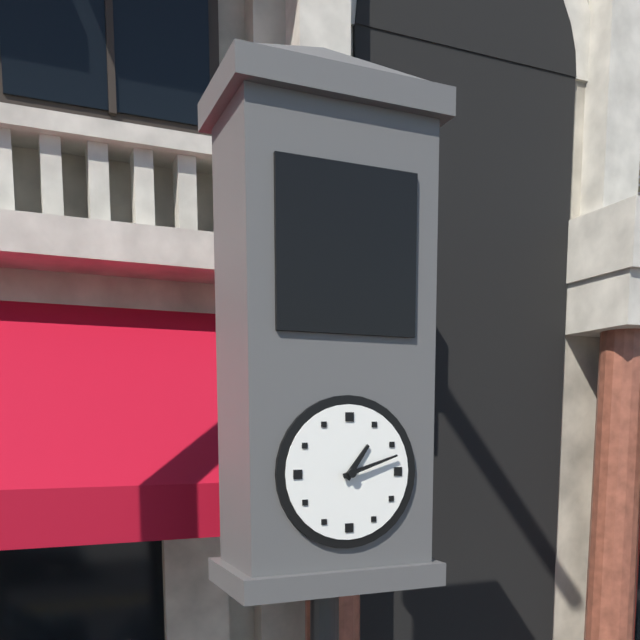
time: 1:12
